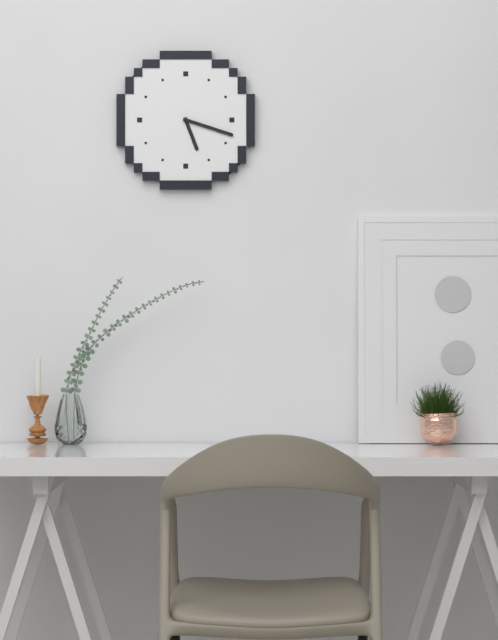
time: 5:18
